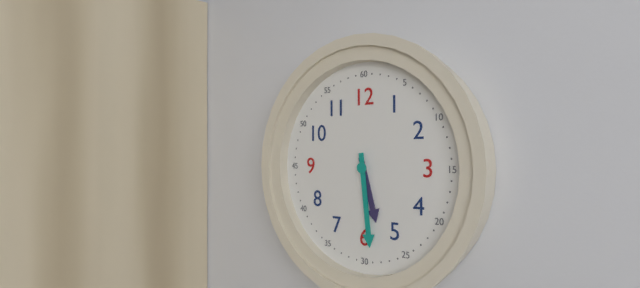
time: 5:29
